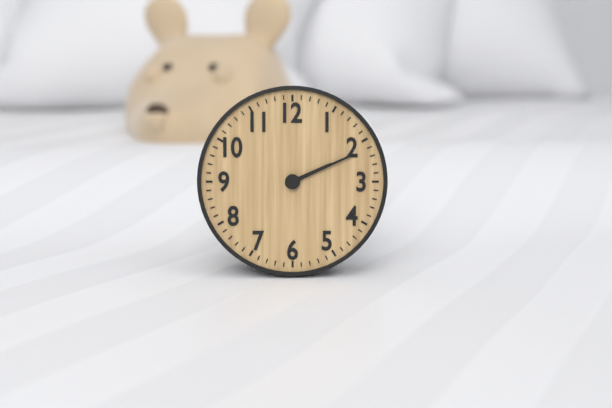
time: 2:11
